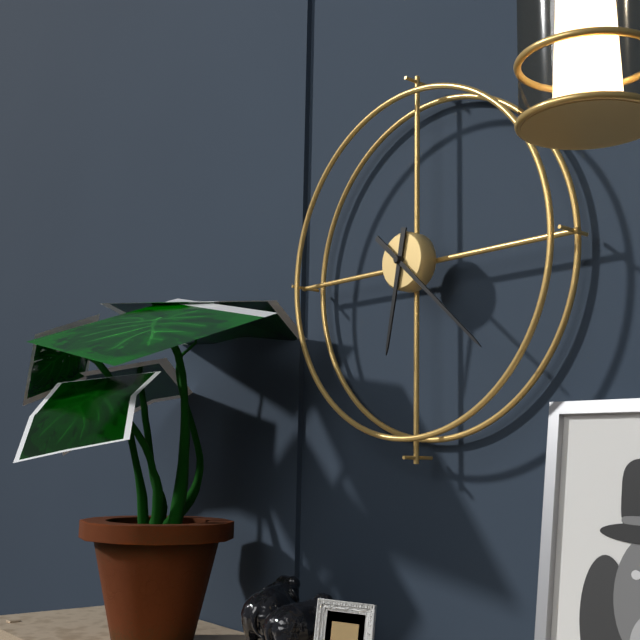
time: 6:22
